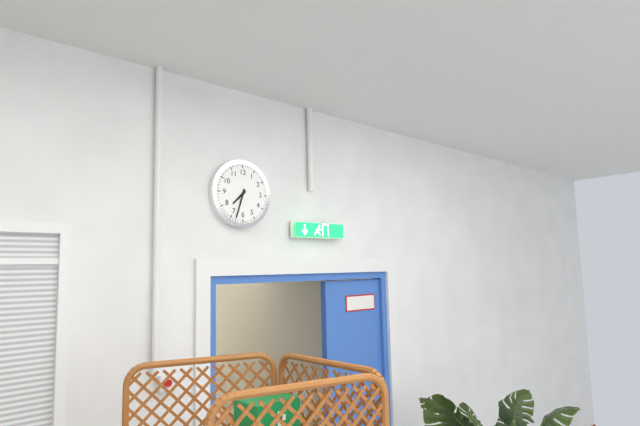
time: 7:33
